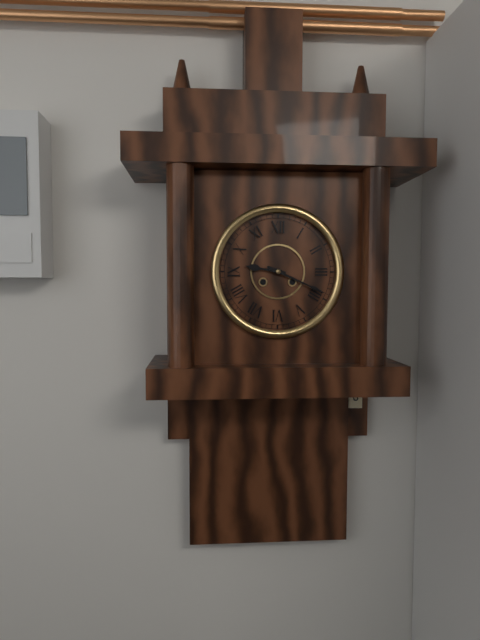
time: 9:19
